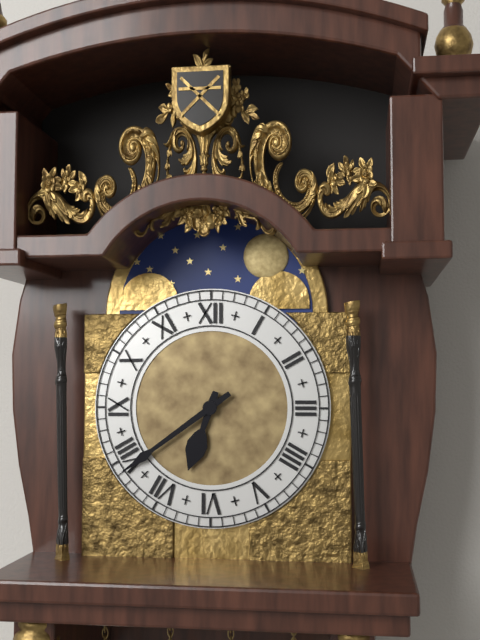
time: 6:39
